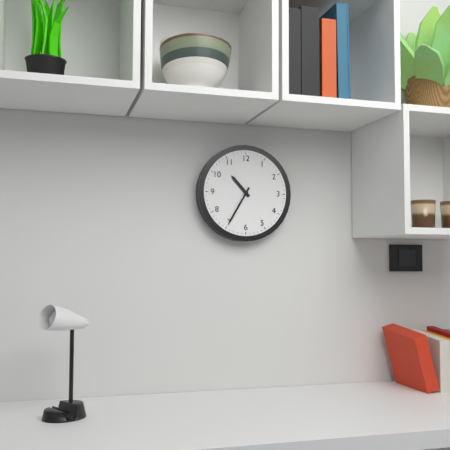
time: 10:35
